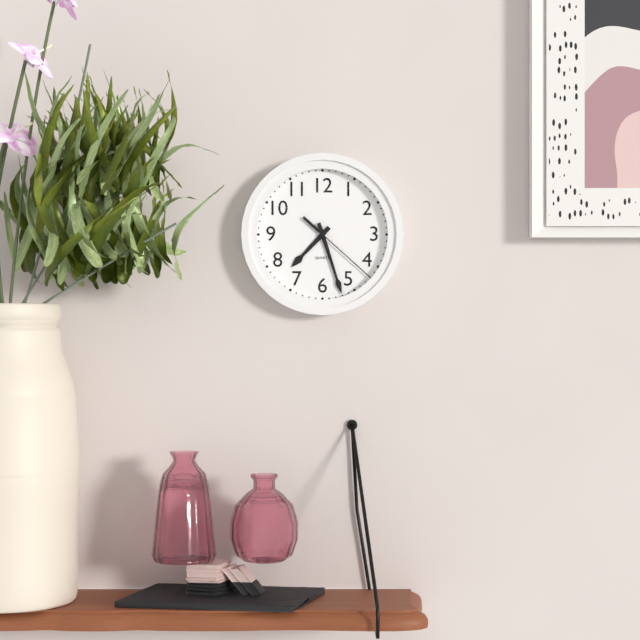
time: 7:27:22
